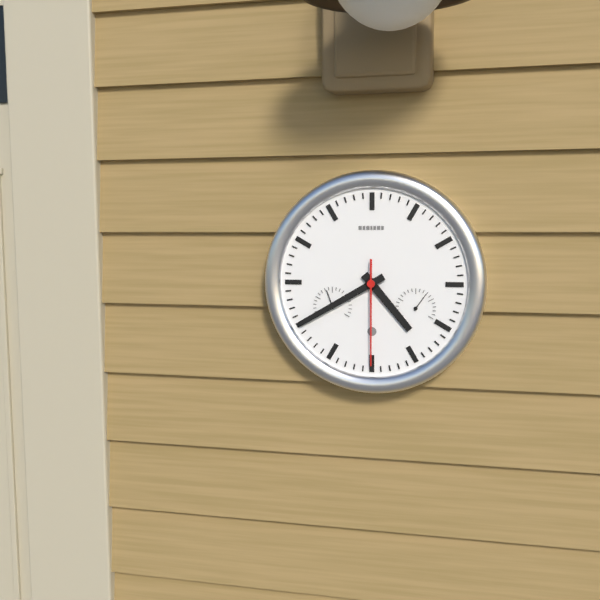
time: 4:40:30
